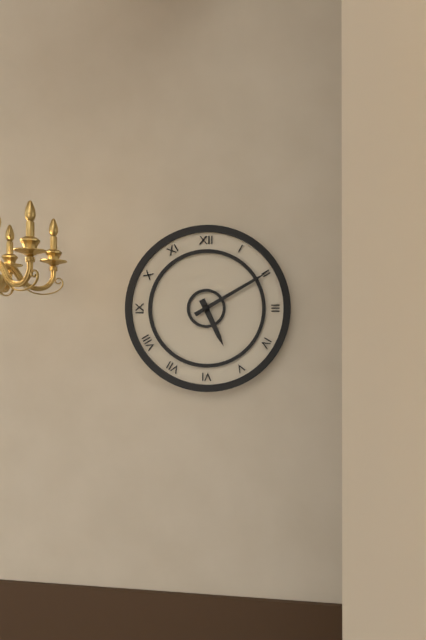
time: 5:10
